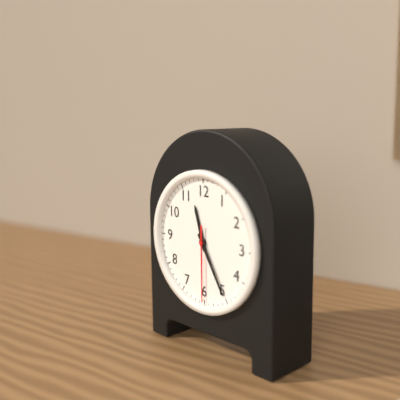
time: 11:25:30
